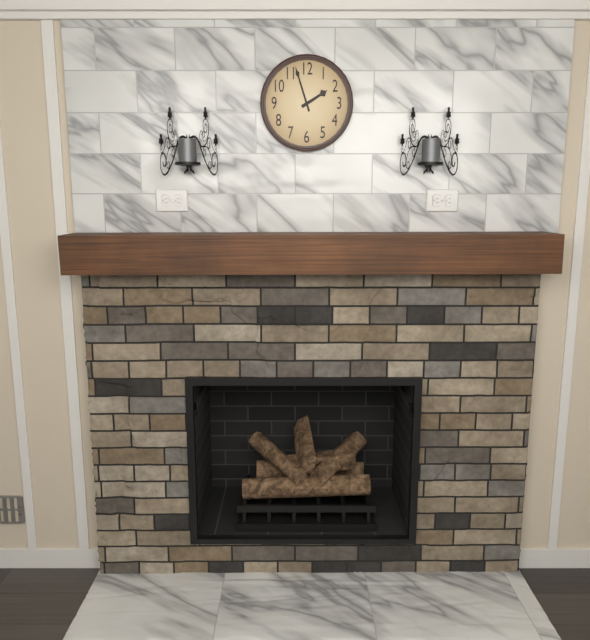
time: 1:57
